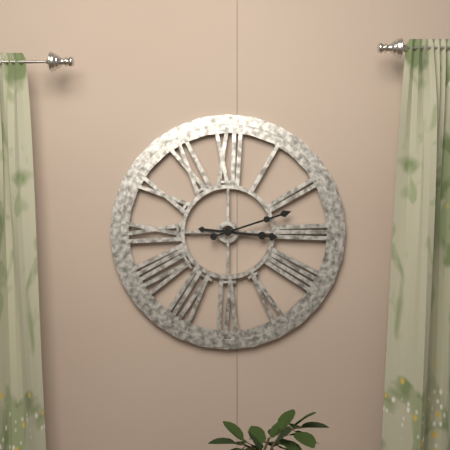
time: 3:12
